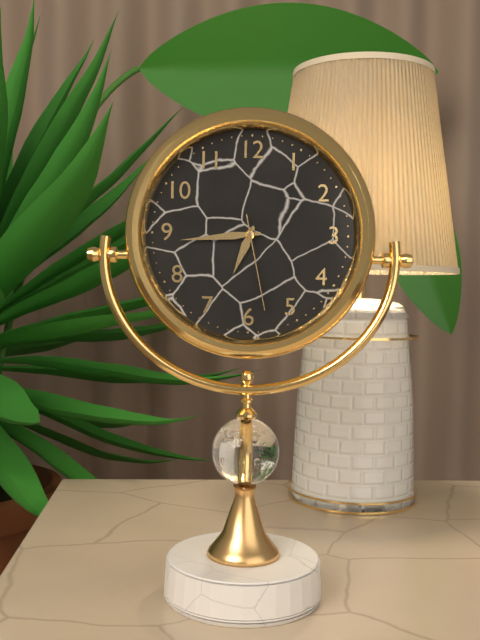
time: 6:44:28
